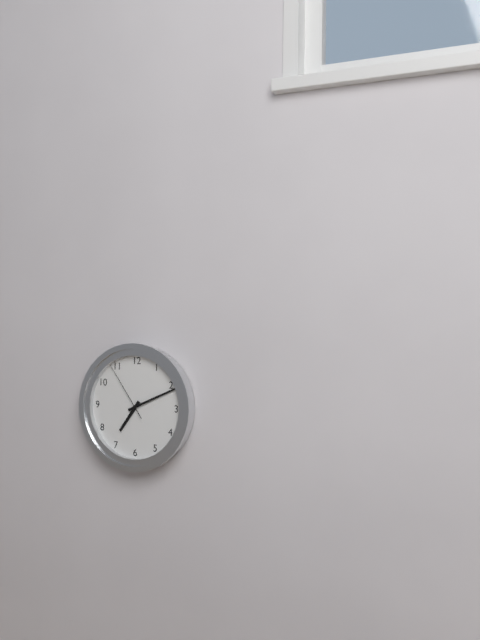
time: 7:11:54
